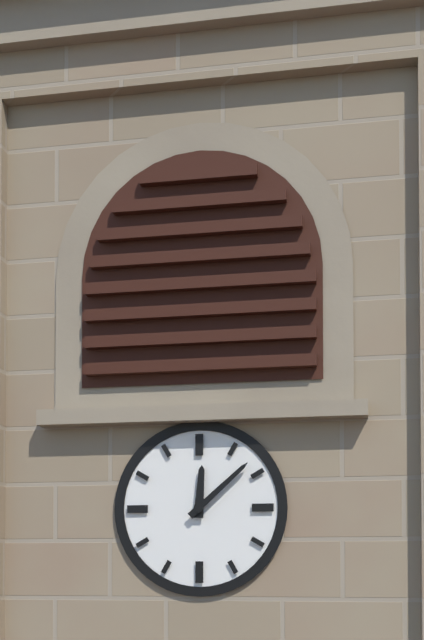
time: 12:08
